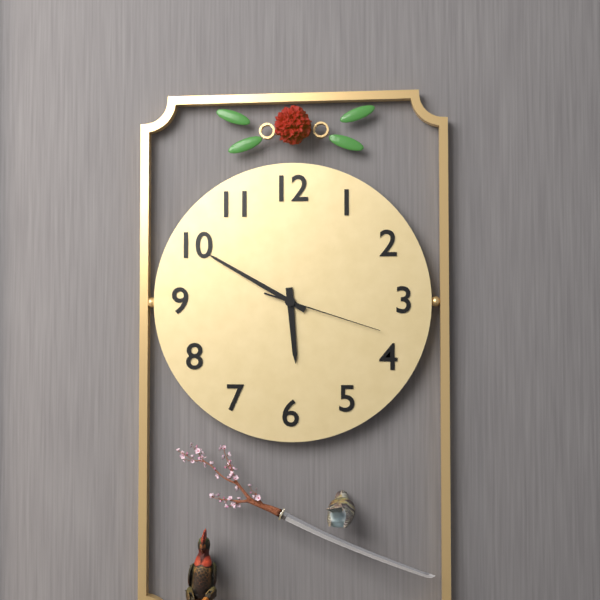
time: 5:50:18
